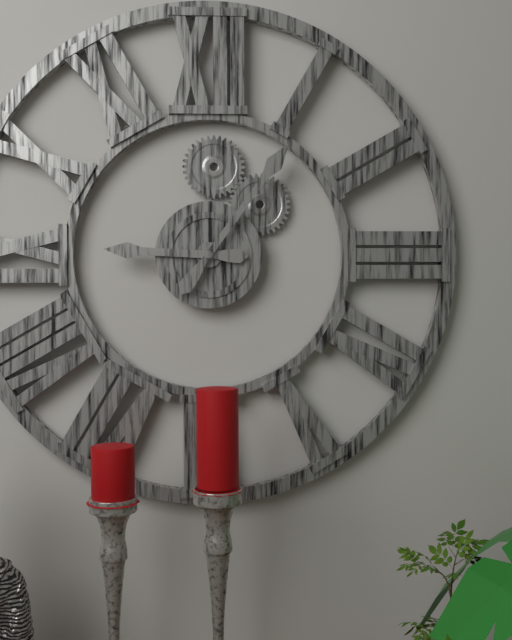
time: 9:06
